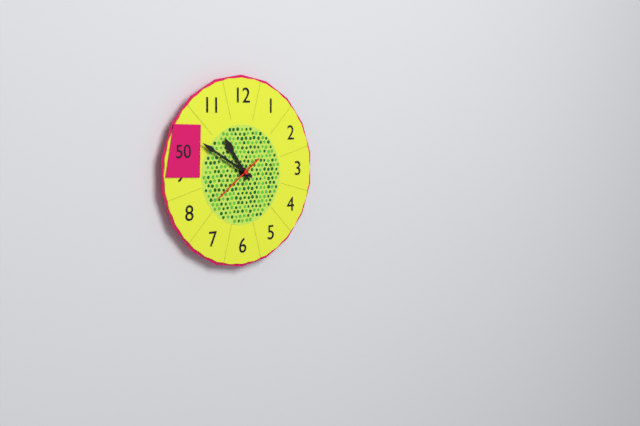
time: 10:50
